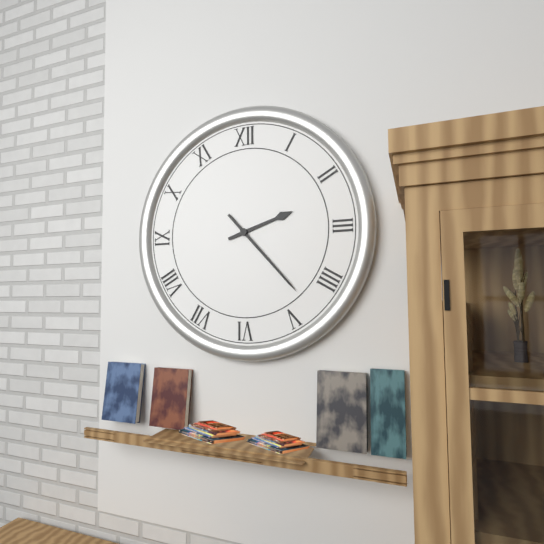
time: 2:23
